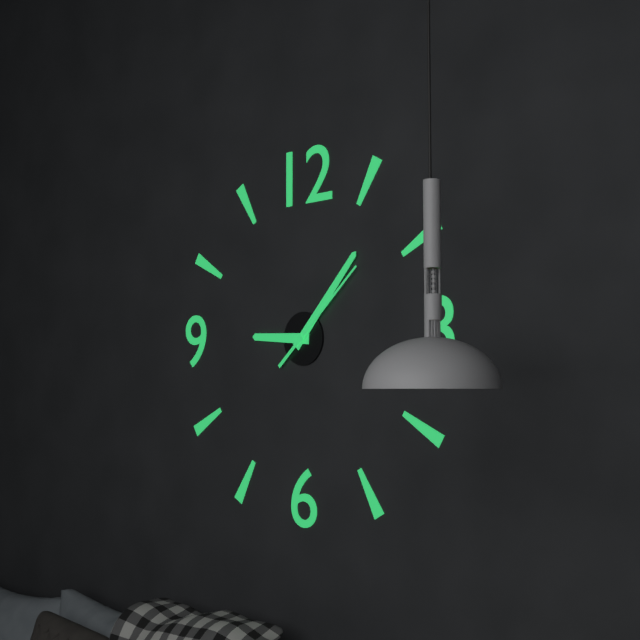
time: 9:07:08
